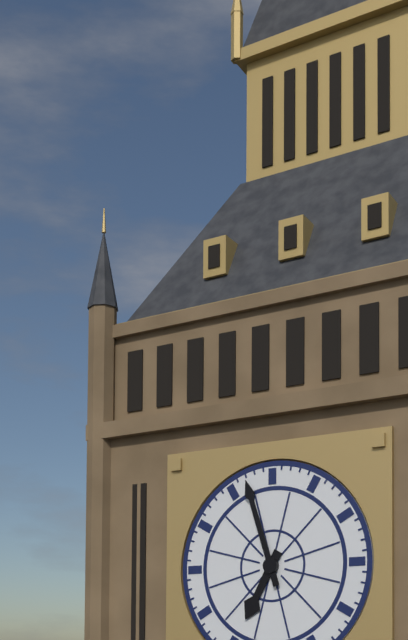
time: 6:57
